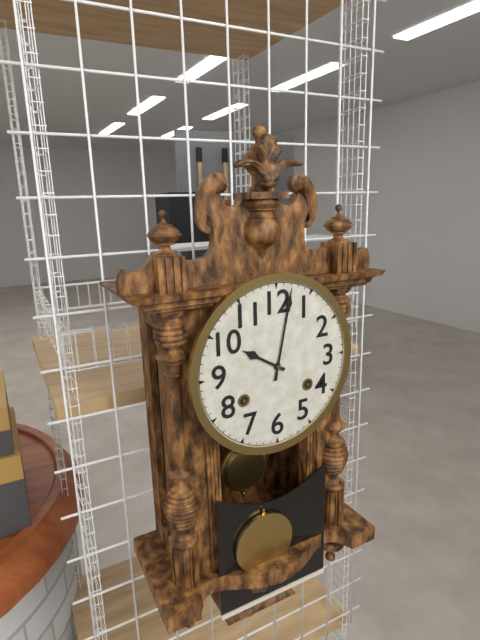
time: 10:02
